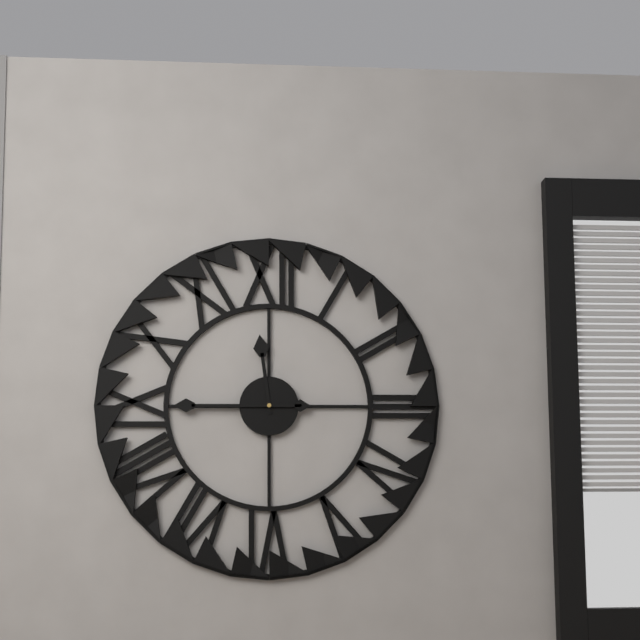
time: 11:45
